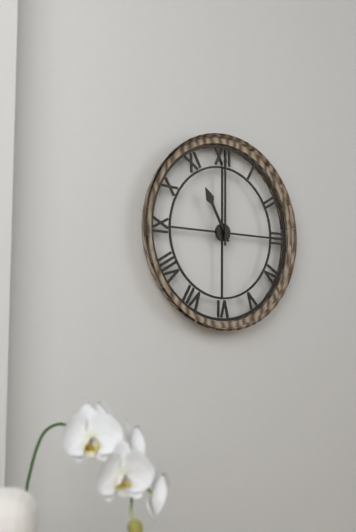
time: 11:00
